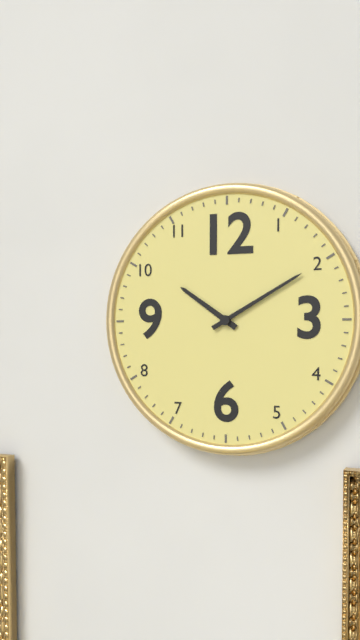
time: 10:10
